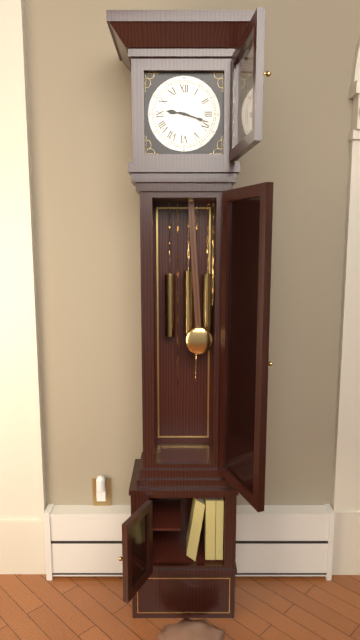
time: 9:18
